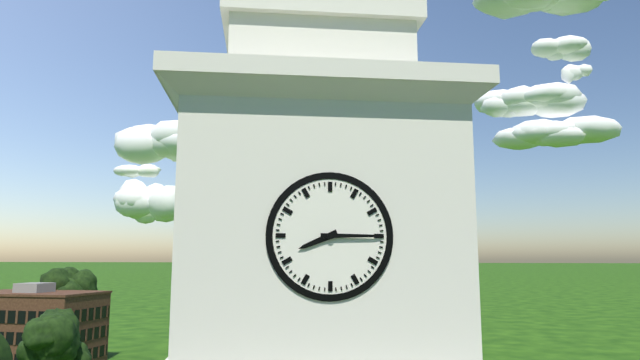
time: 8:15
